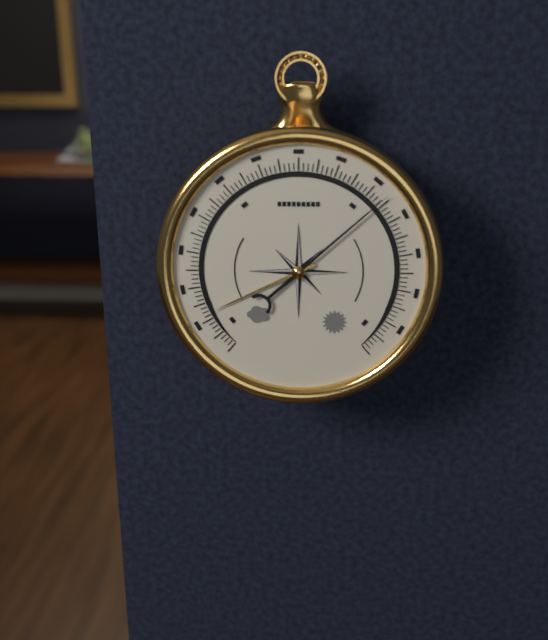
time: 8:08
